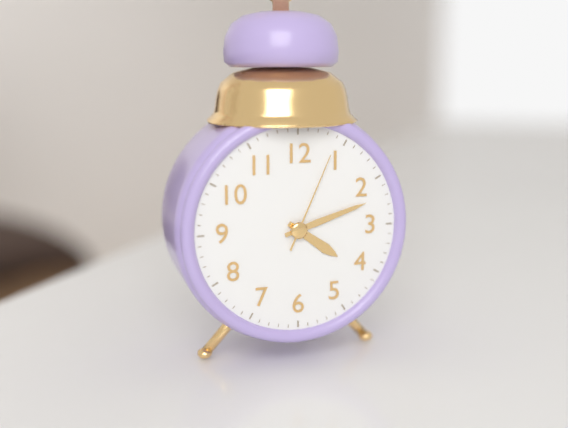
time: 4:12:04
